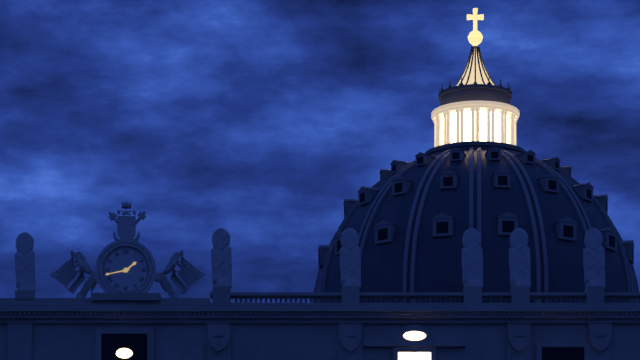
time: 1:43
